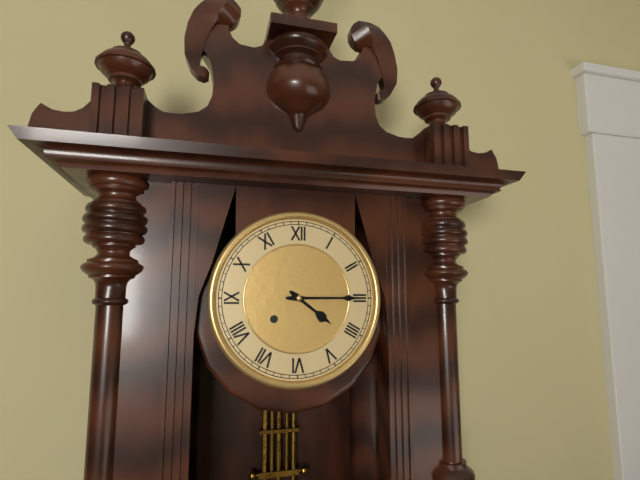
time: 4:15
